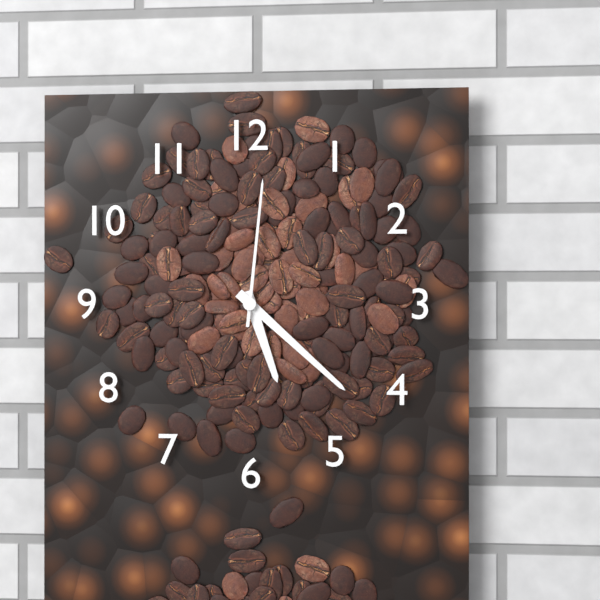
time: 5:22:01
